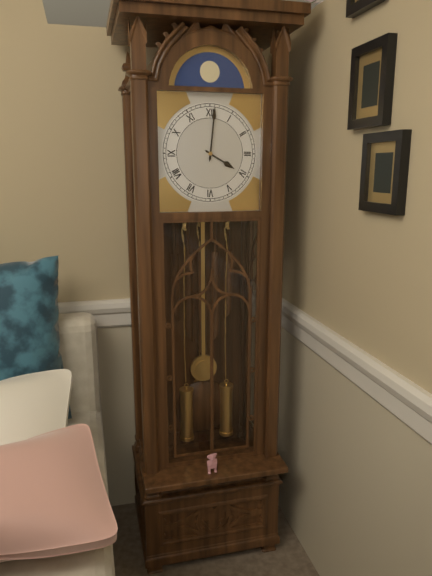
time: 4:01
